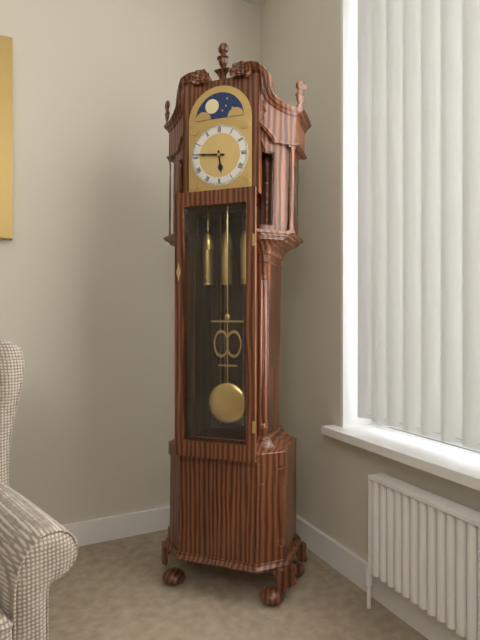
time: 5:46
